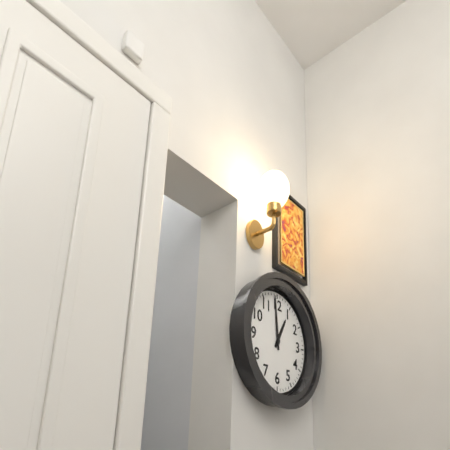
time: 12:59
